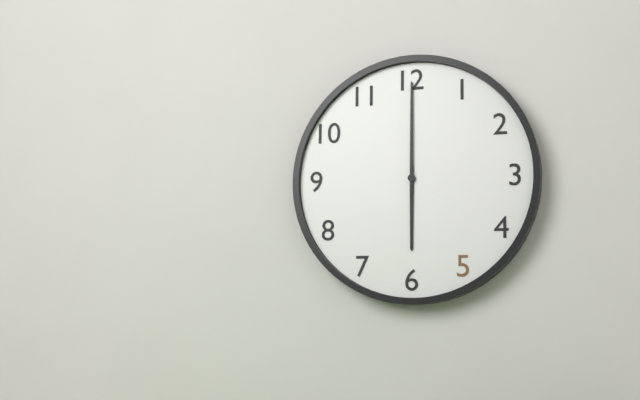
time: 6:00
